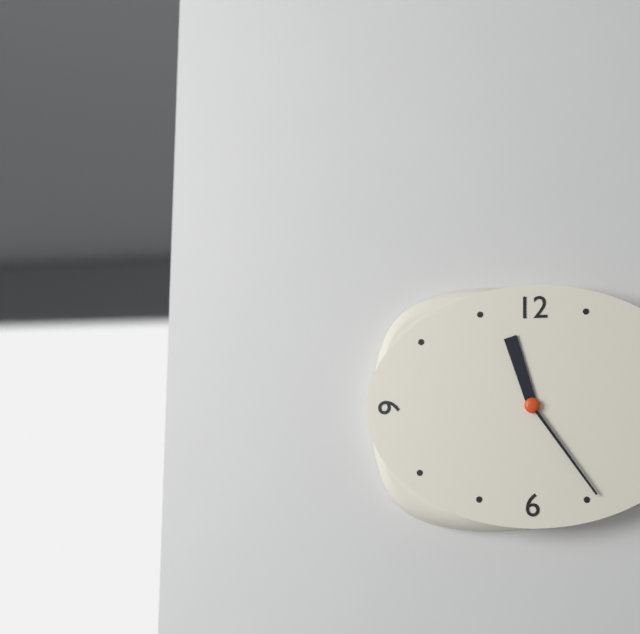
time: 11:24
